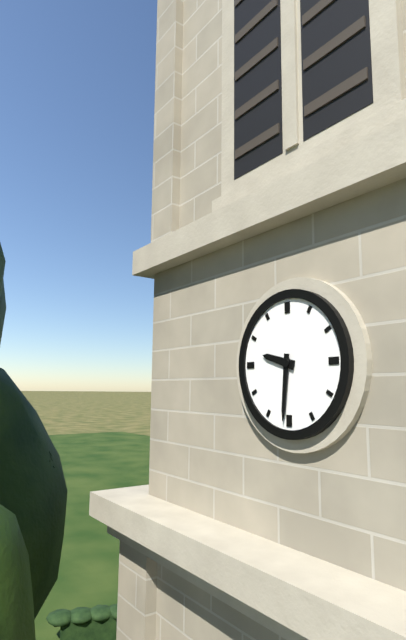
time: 9:31
